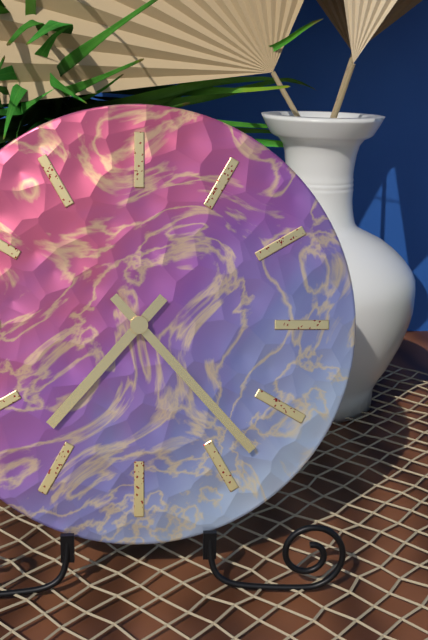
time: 7:23
